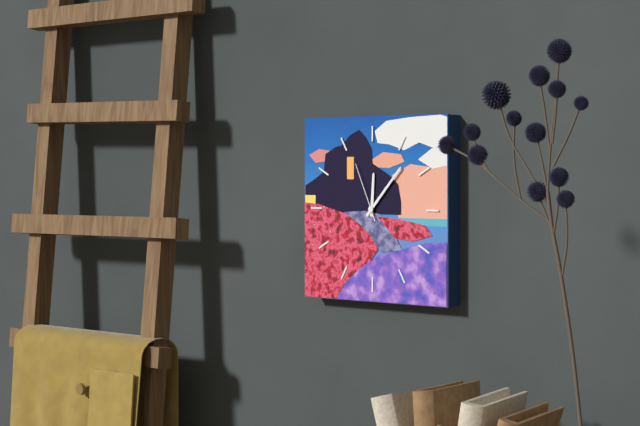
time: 12:07:56
